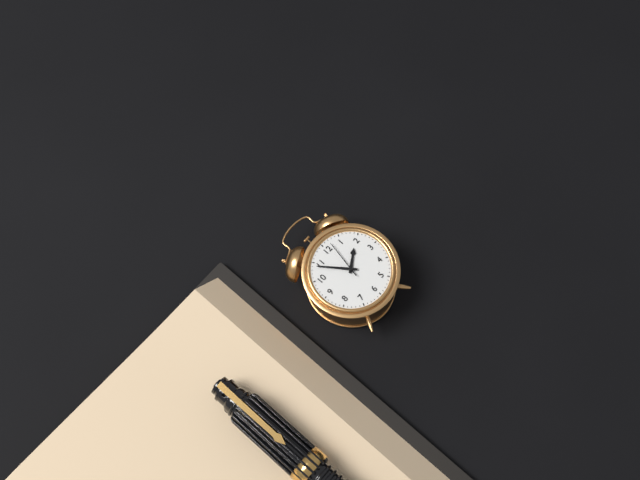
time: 1:54
